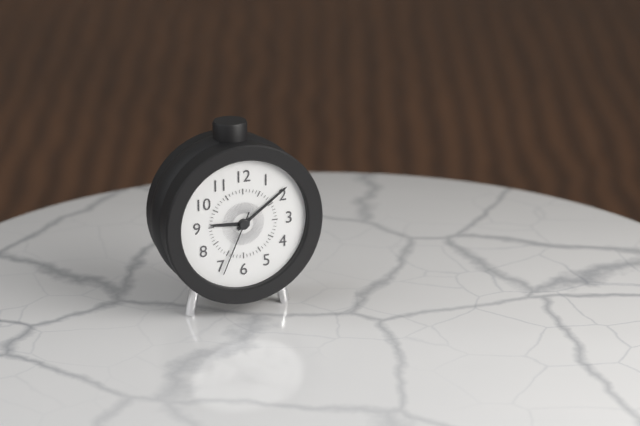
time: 9:09:34
